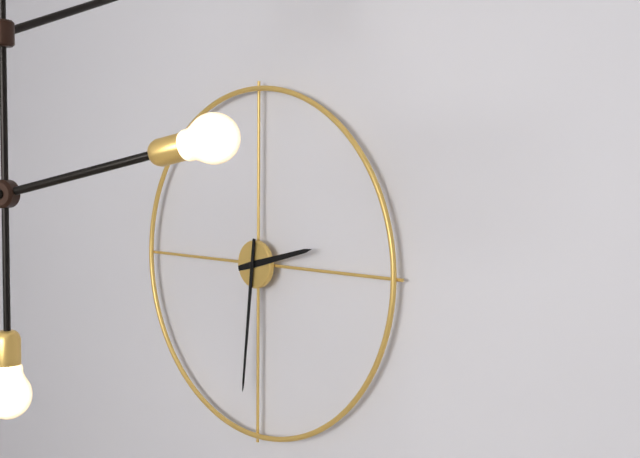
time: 2:31
